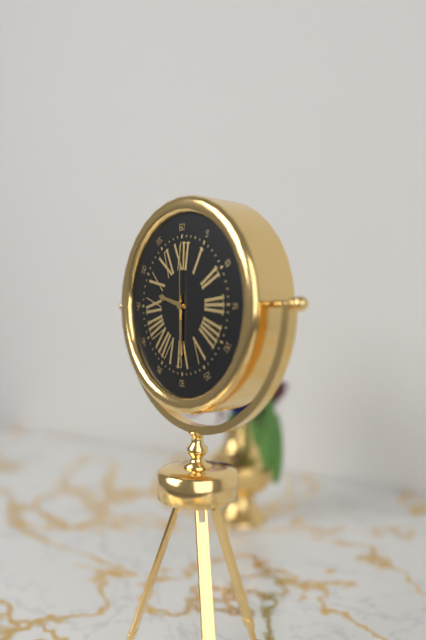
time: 9:30:00
